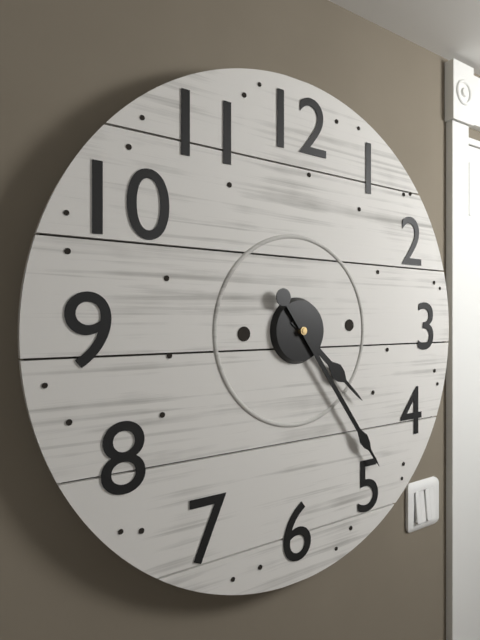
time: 4:24
